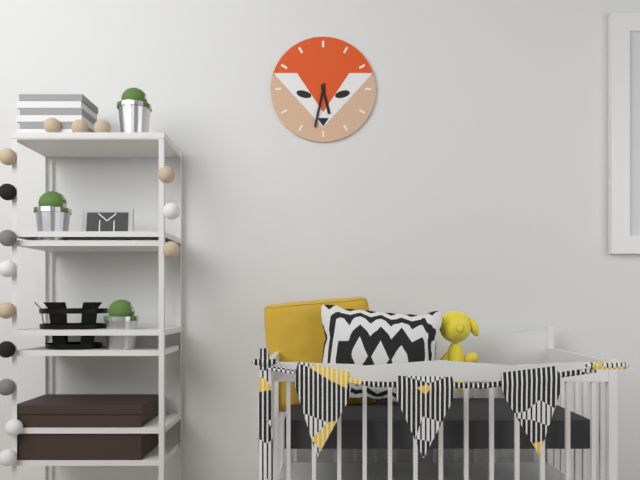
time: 5:32
